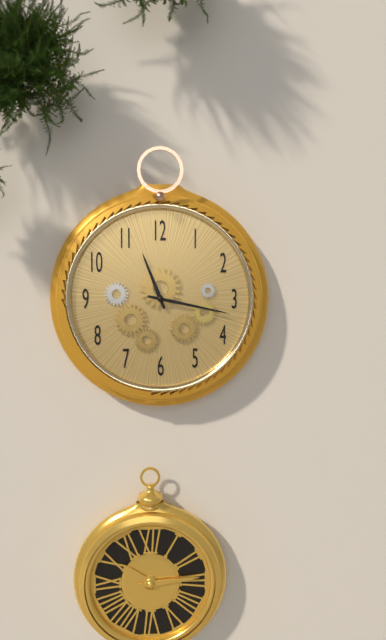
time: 11:17
